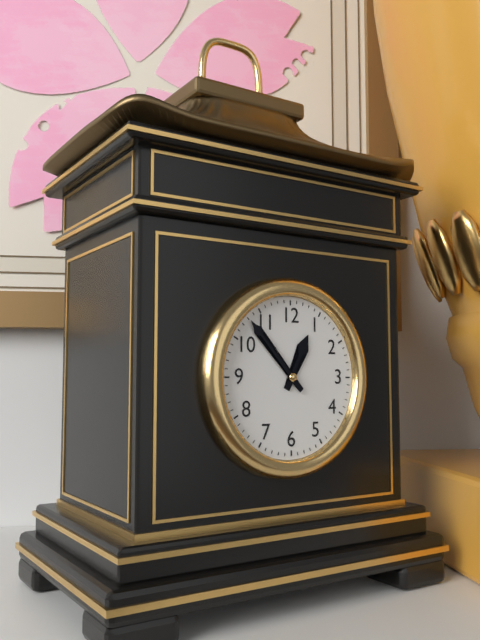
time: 12:53
